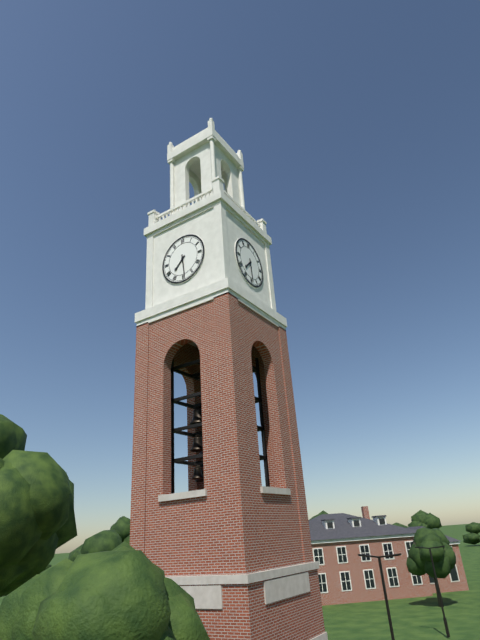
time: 7:29
